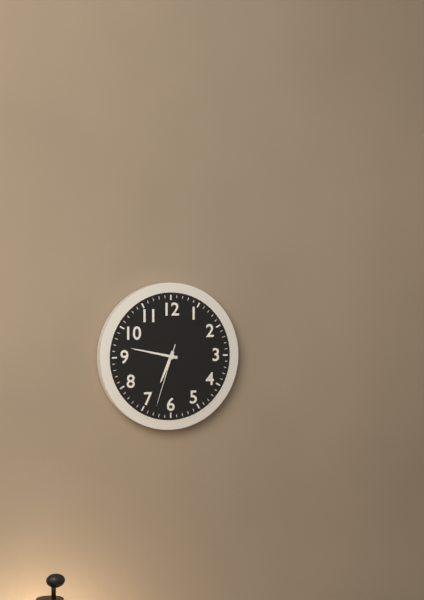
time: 6:47:33
